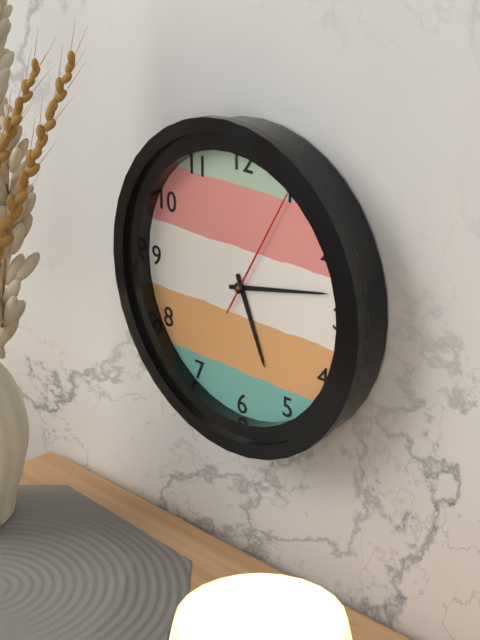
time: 5:13:05
